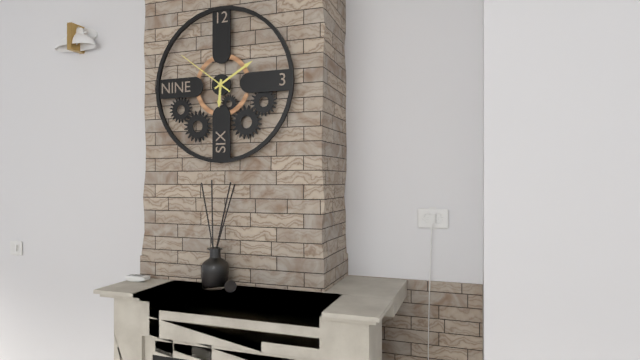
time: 6:10:51
